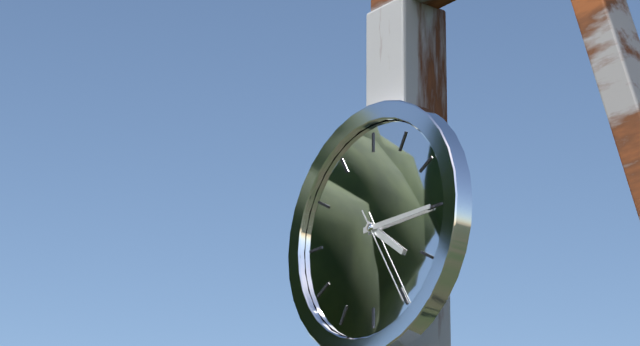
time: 4:15:25
